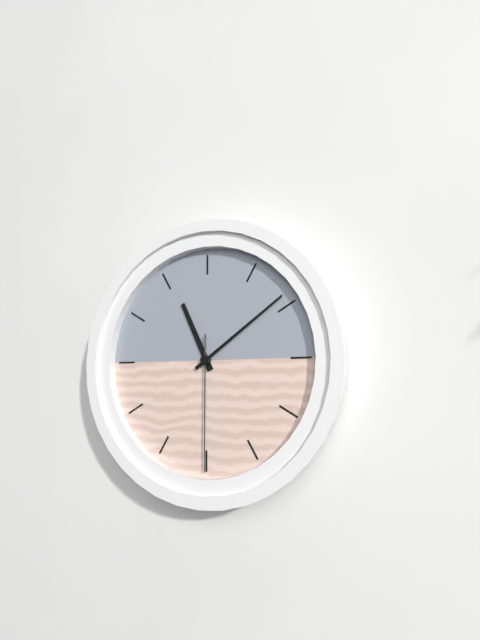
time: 11:09:30
